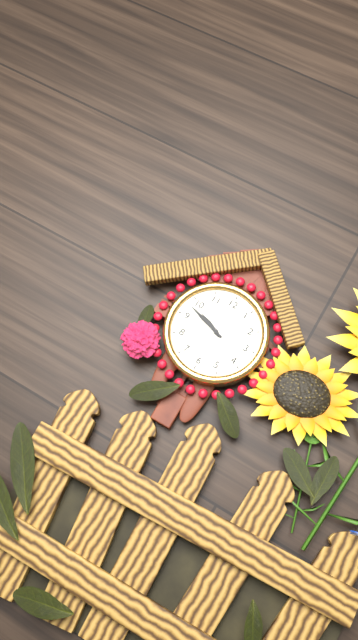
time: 9:48
